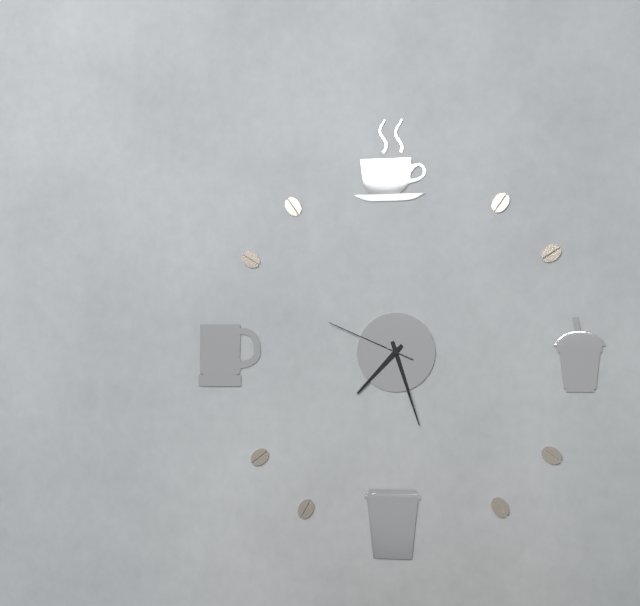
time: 7:27:49
